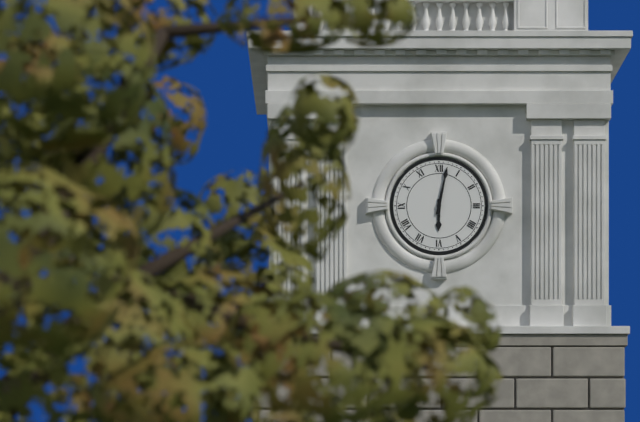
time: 6:02
